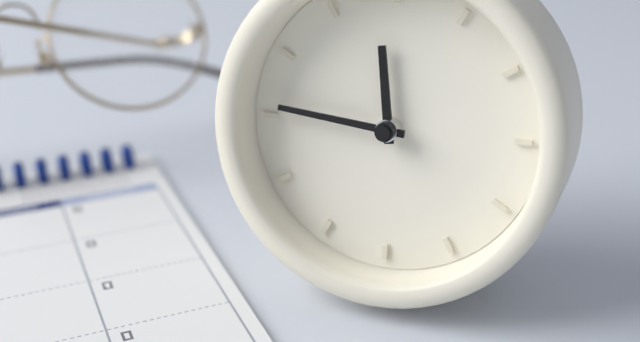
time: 11:46
